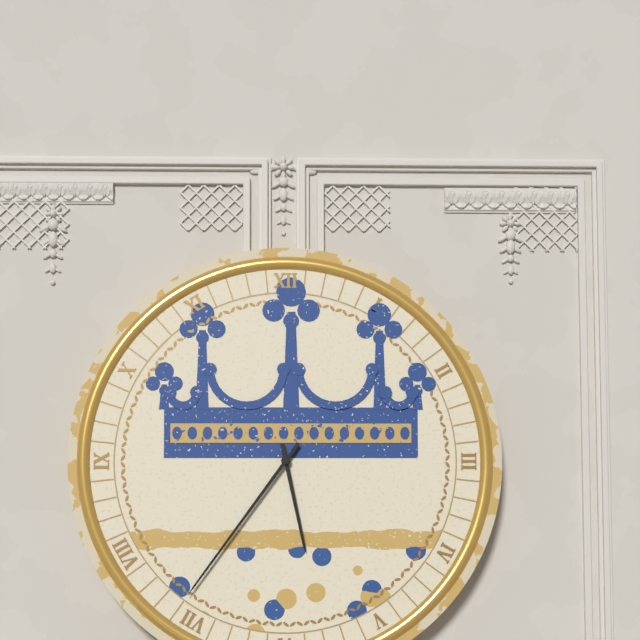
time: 5:36
